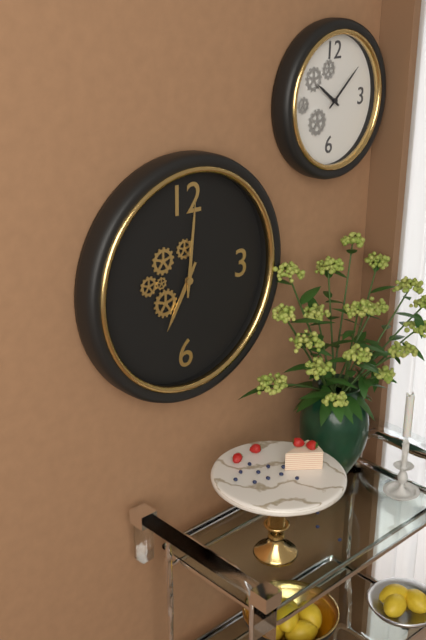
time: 7:01
